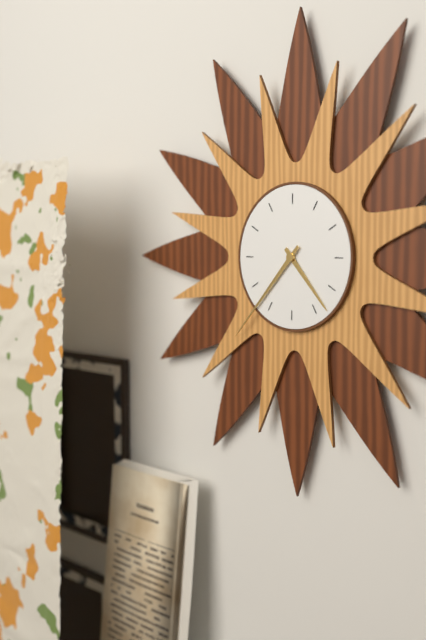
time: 4:37
